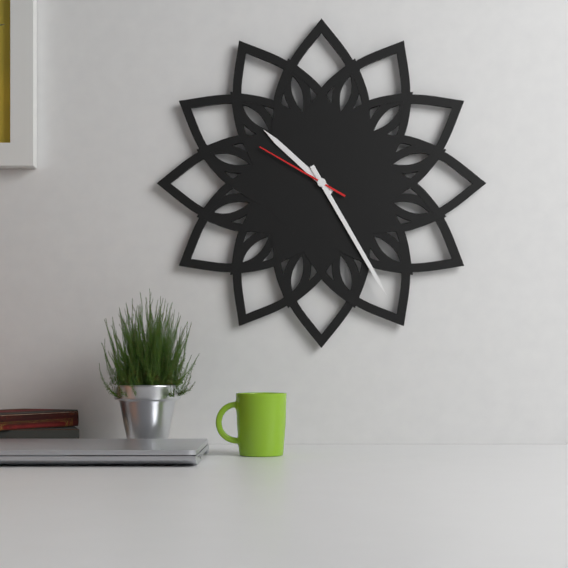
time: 10:25:50
